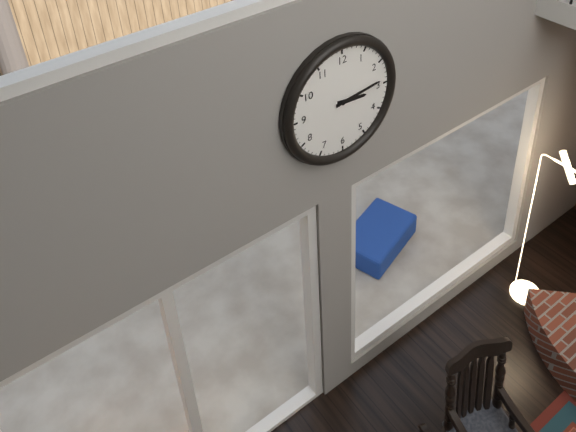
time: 3:14
